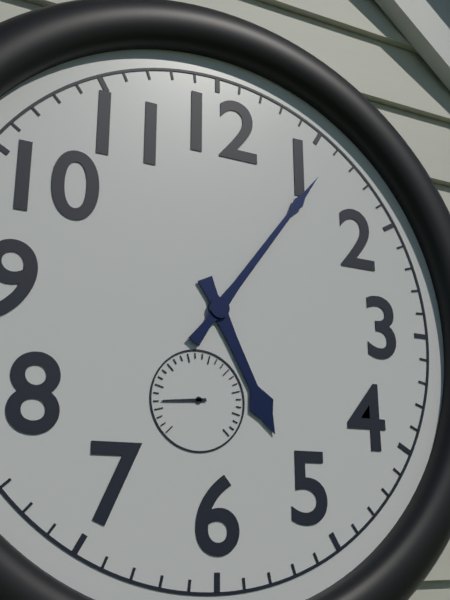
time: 5:06
